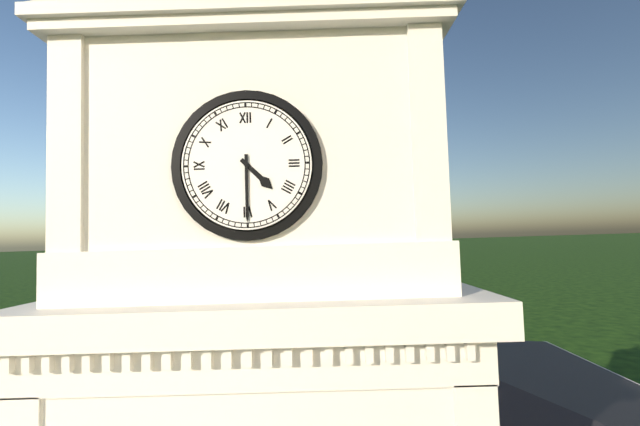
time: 4:30
